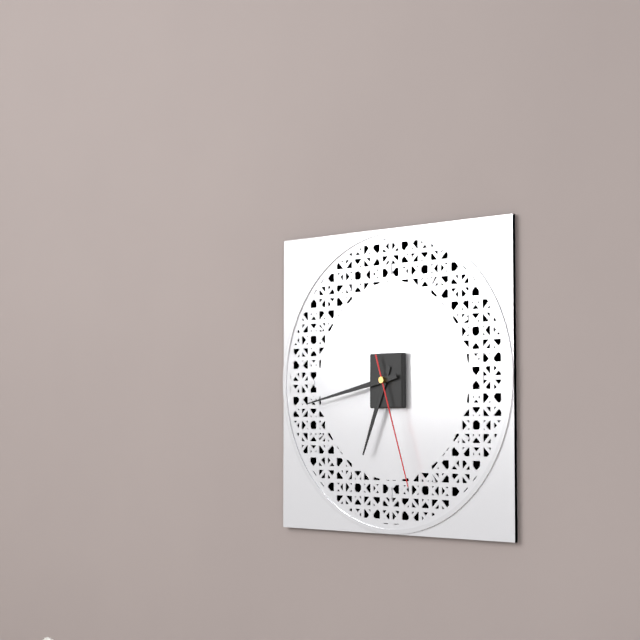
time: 6:43:27
